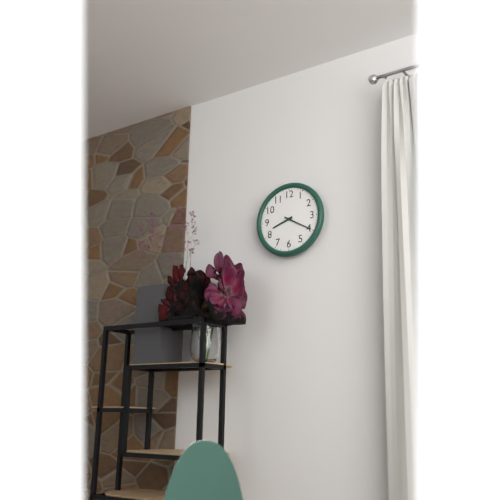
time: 8:20
